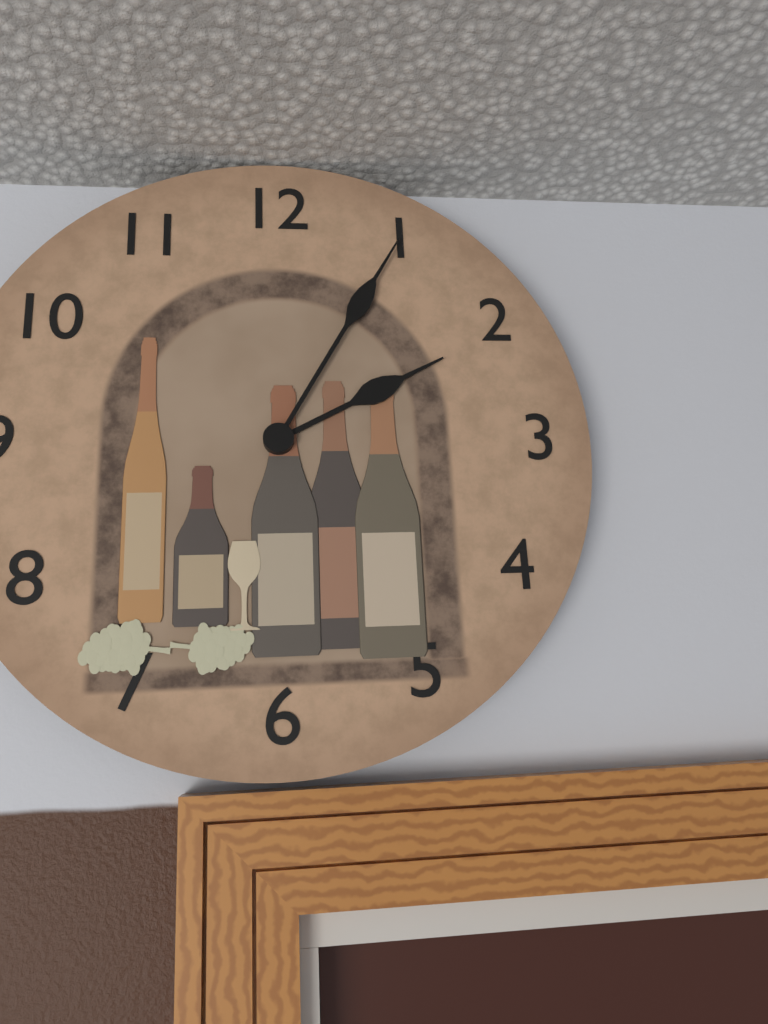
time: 2:05
